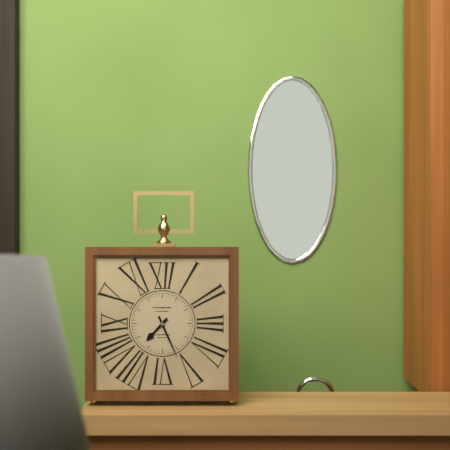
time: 7:26
